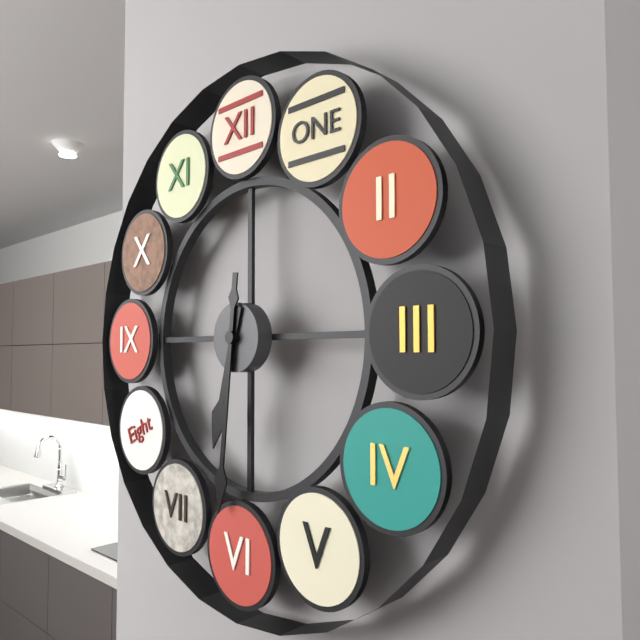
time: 6:31
